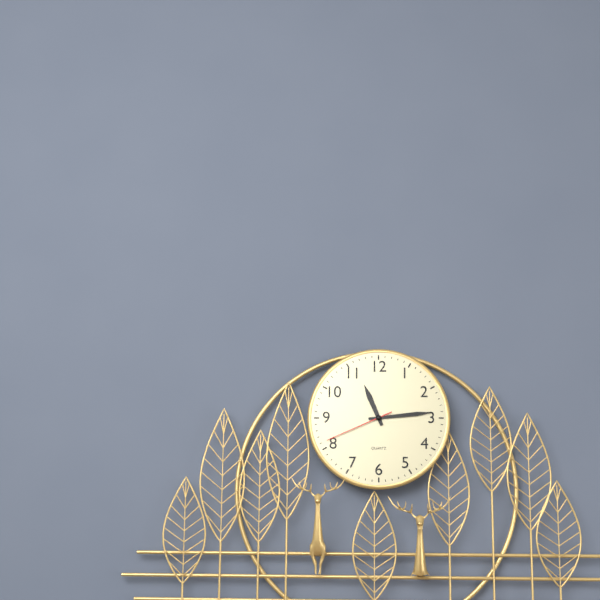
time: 11:14:41
